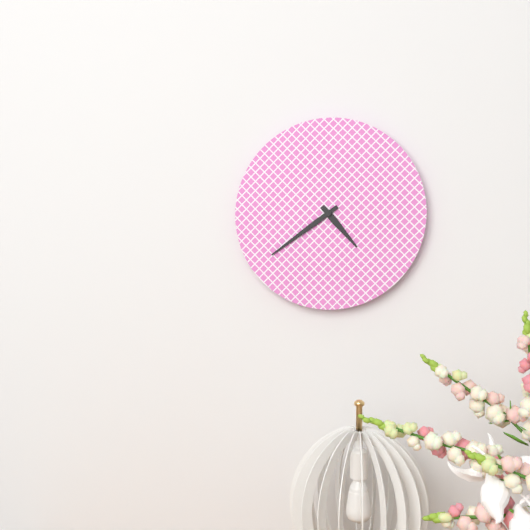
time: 4:39
